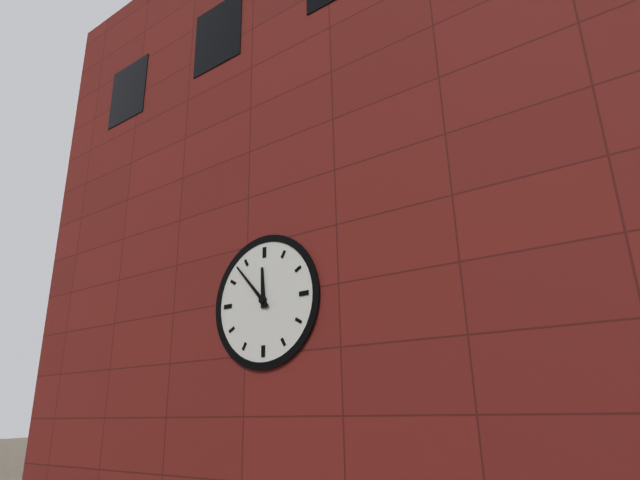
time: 11:53
